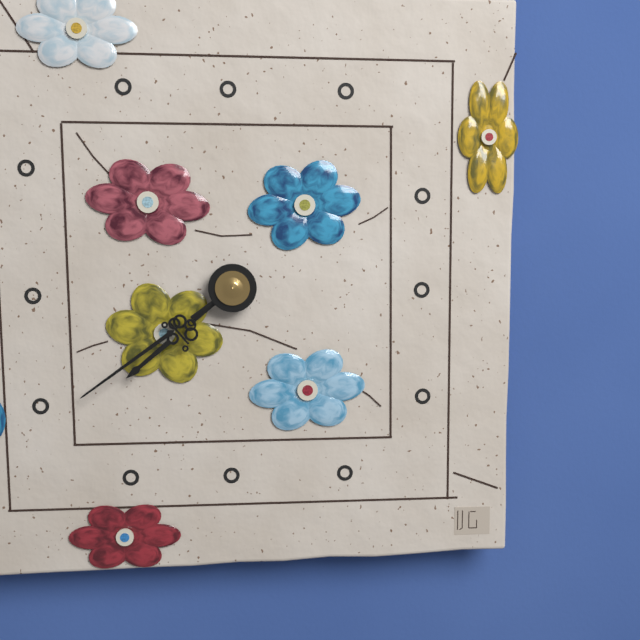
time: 7:39
